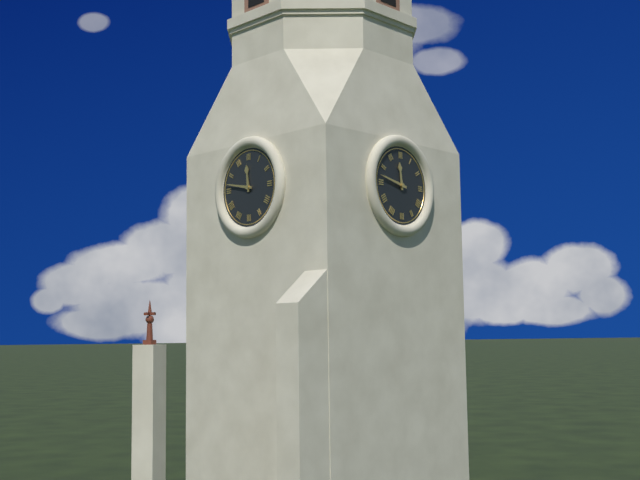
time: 11:47
